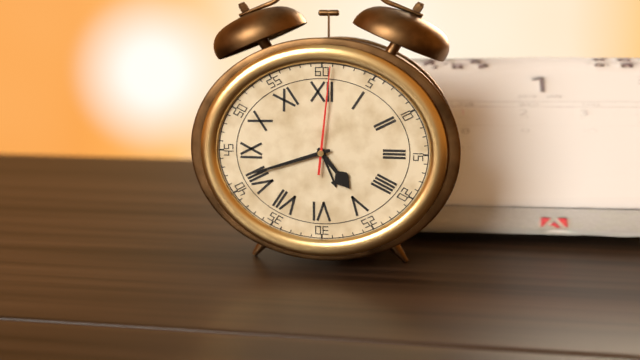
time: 4:42:01
